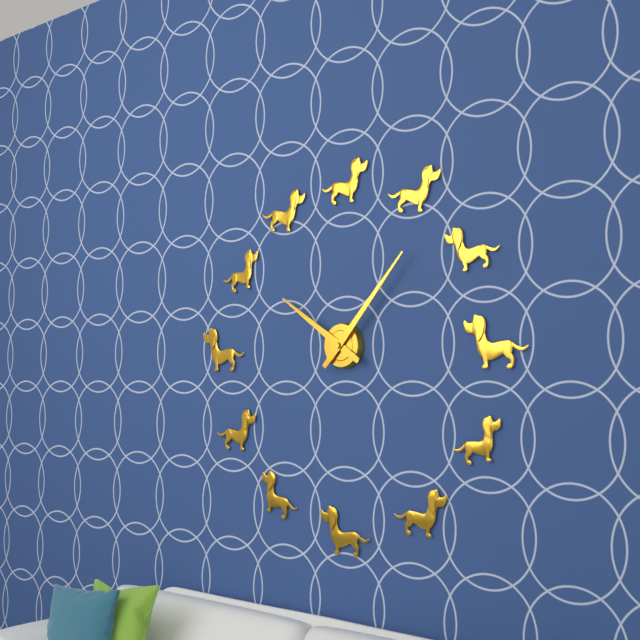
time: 10:07
